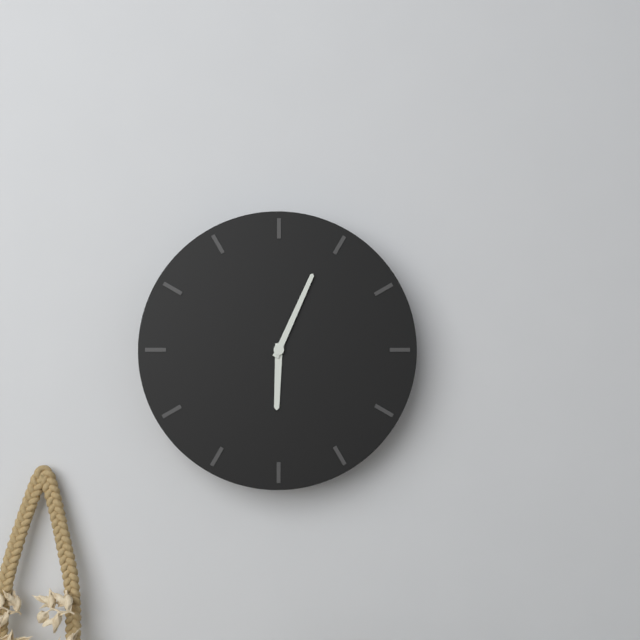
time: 6:04
